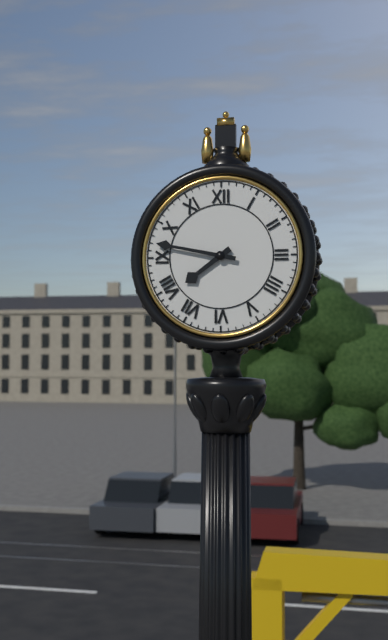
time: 7:47
